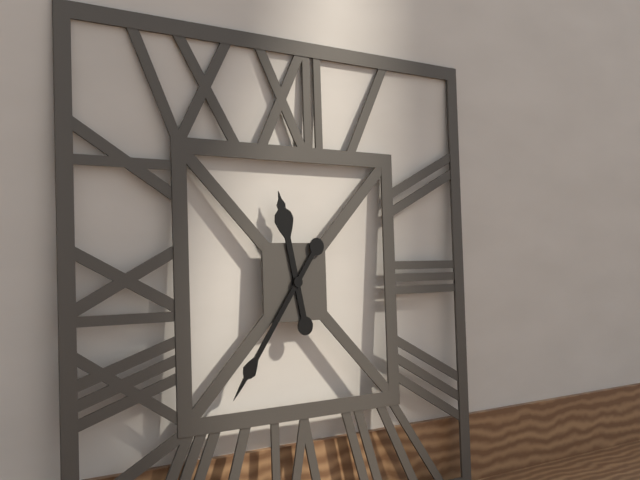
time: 11:36
